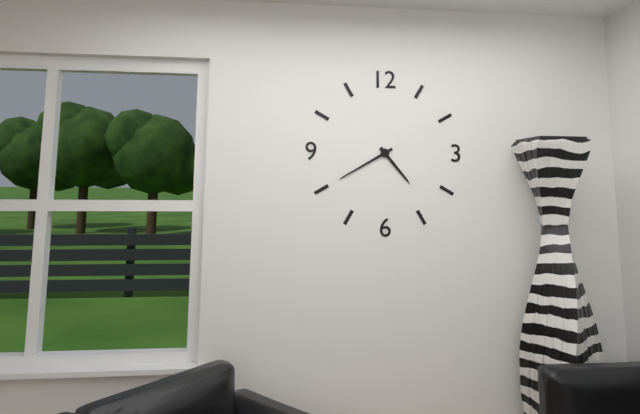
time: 4:40
